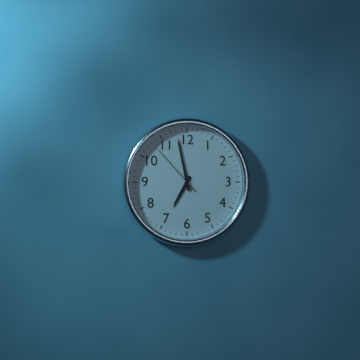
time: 6:58:53
